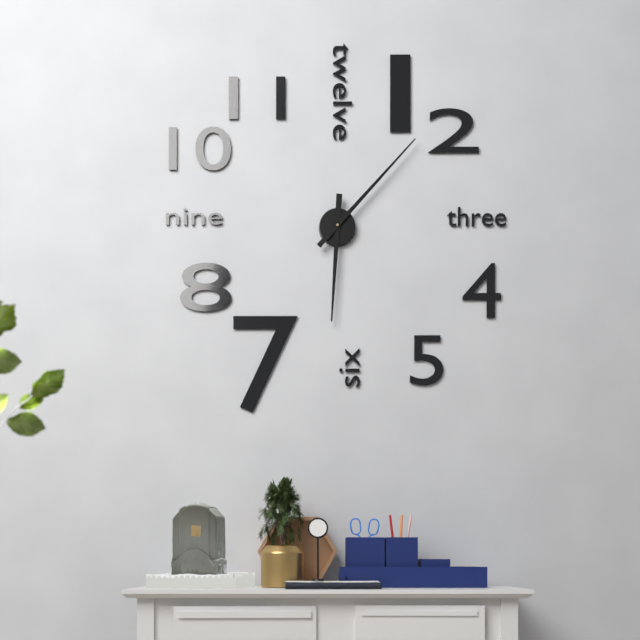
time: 6:07
